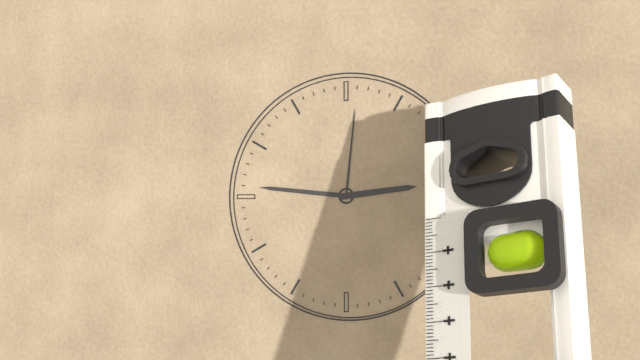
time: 2:46:01
